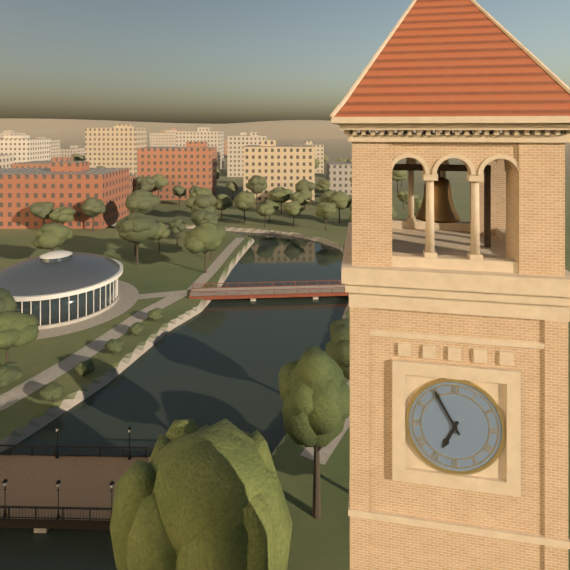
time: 6:55
